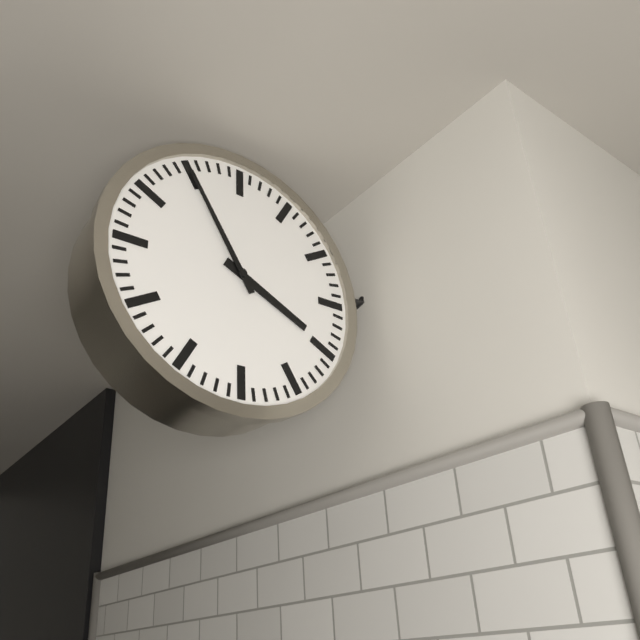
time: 3:55
